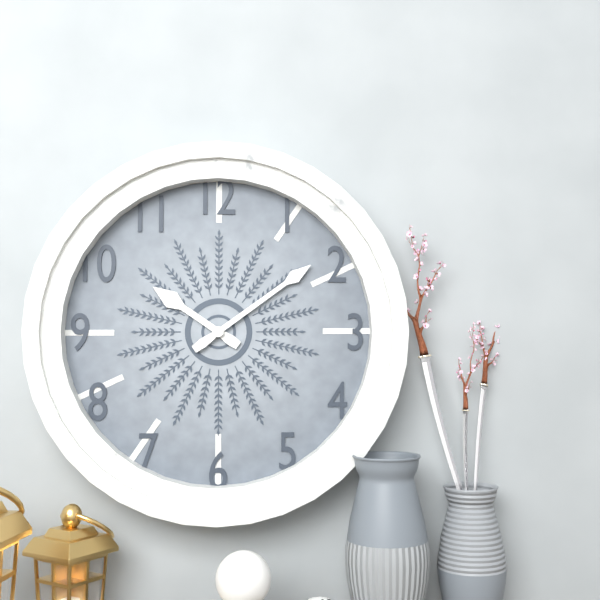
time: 10:09
